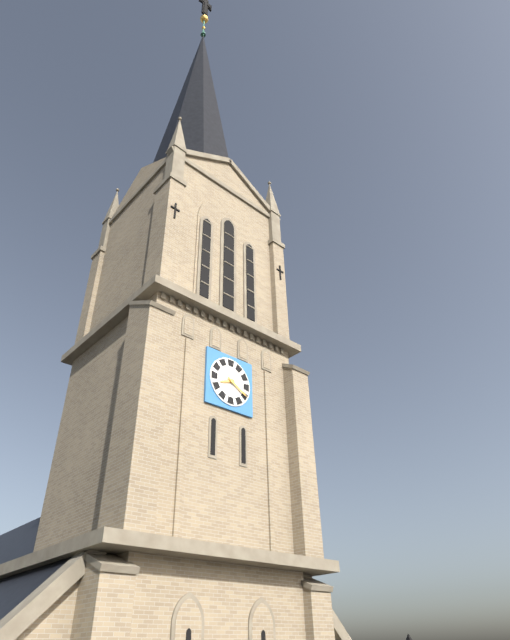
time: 8:20
